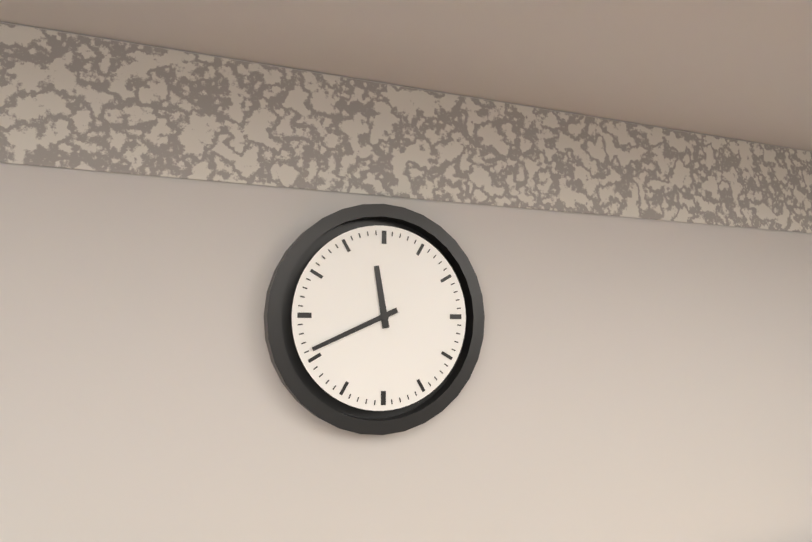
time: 11:41
